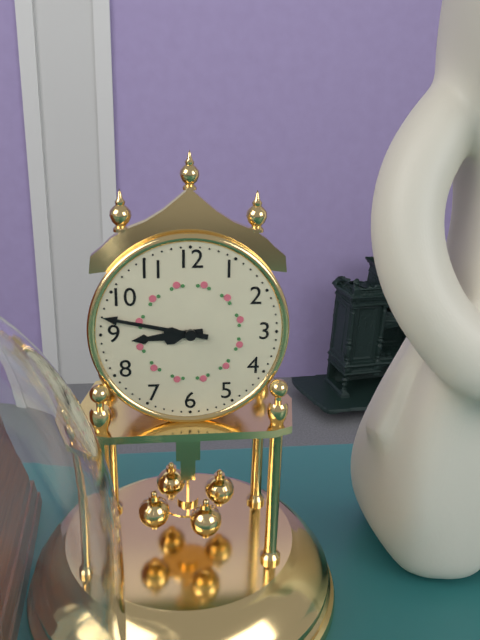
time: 8:47
